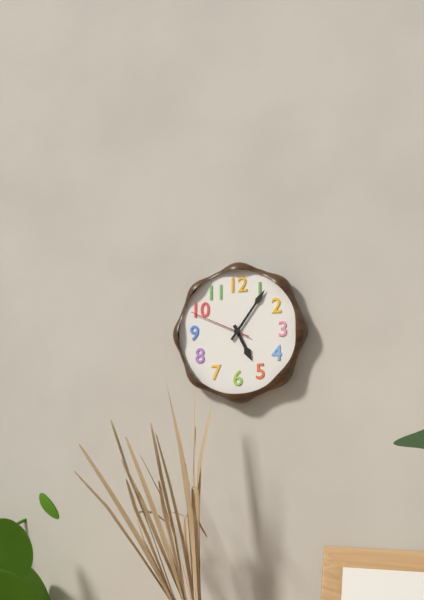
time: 5:06:49
